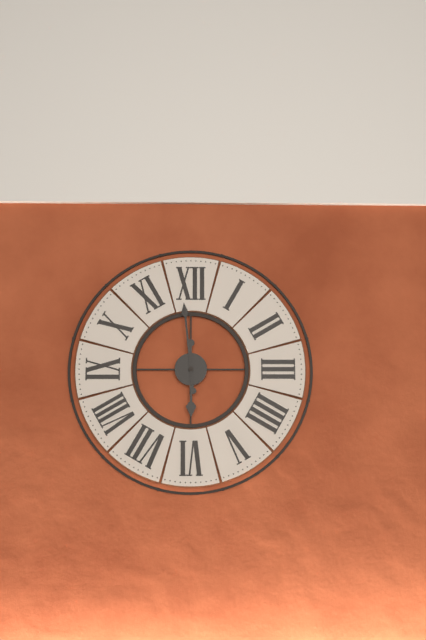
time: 5:59
